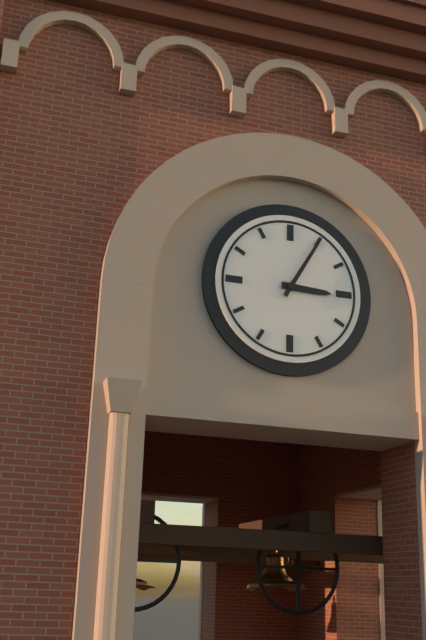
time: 3:05
